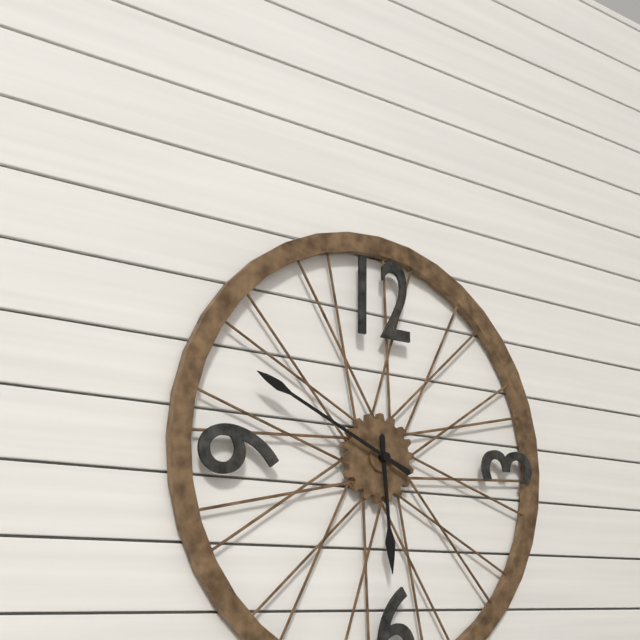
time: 5:49
